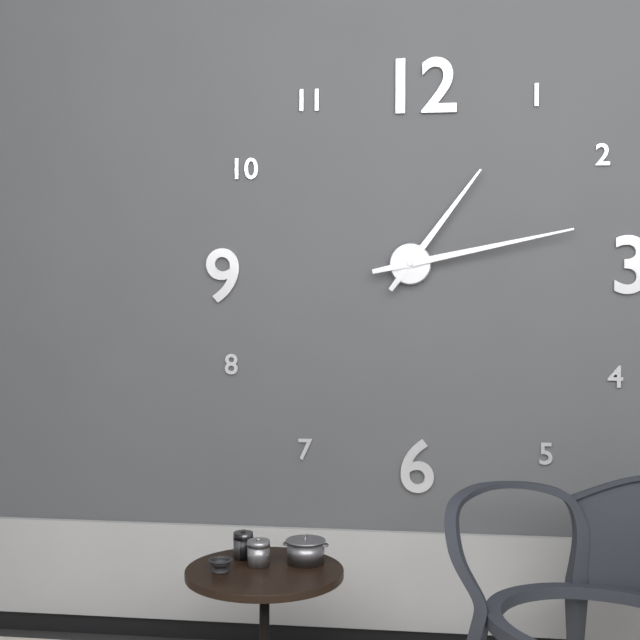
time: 1:13
